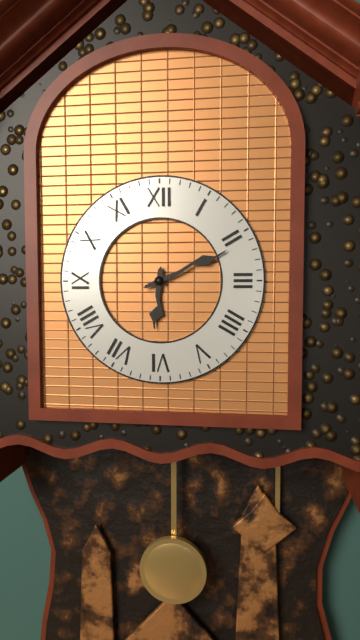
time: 6:11
